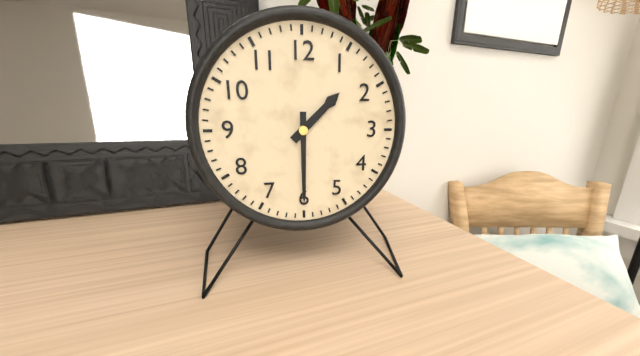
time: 1:30
